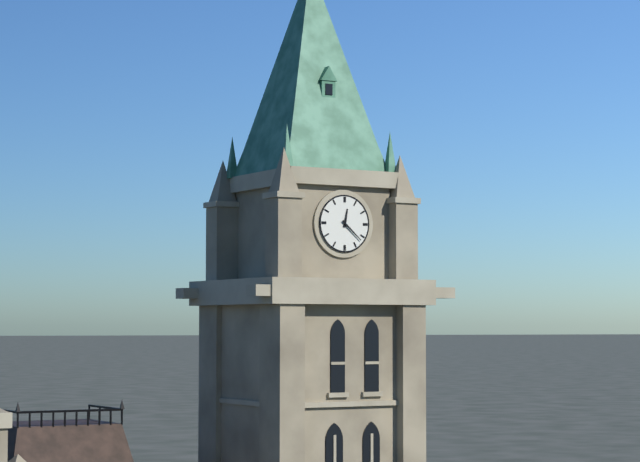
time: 12:22
